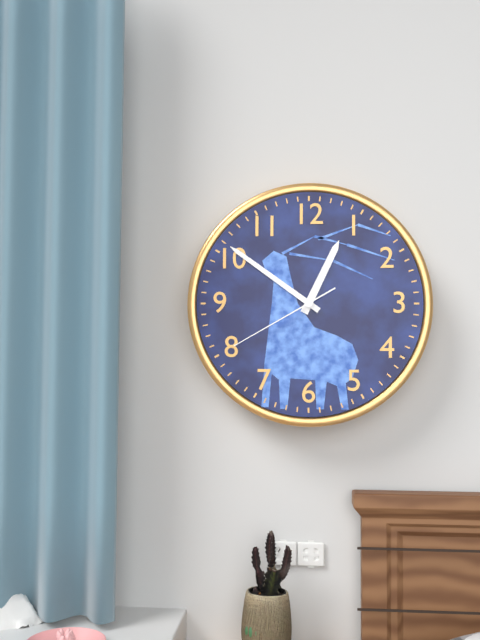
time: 12:51:40
